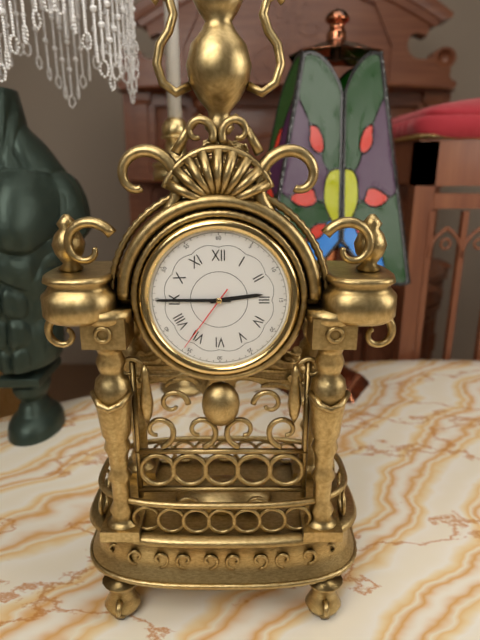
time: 2:45:36
